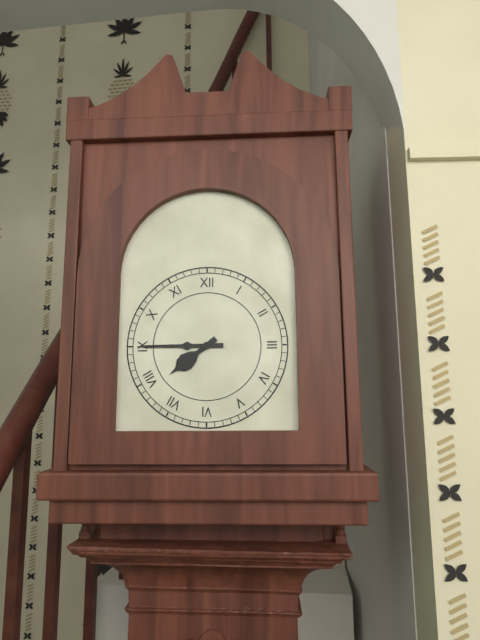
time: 7:45
